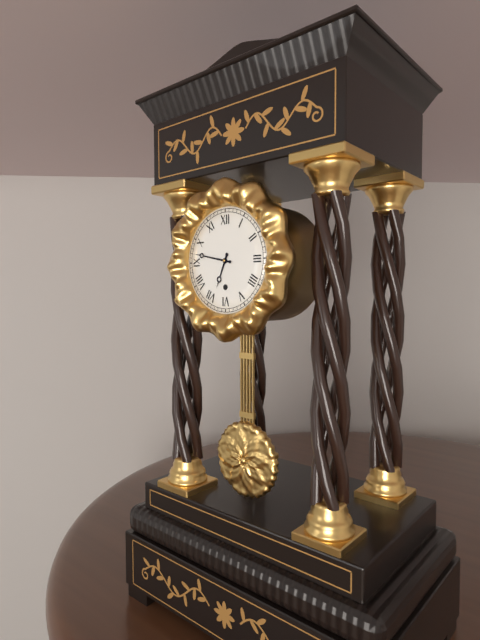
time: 6:47
